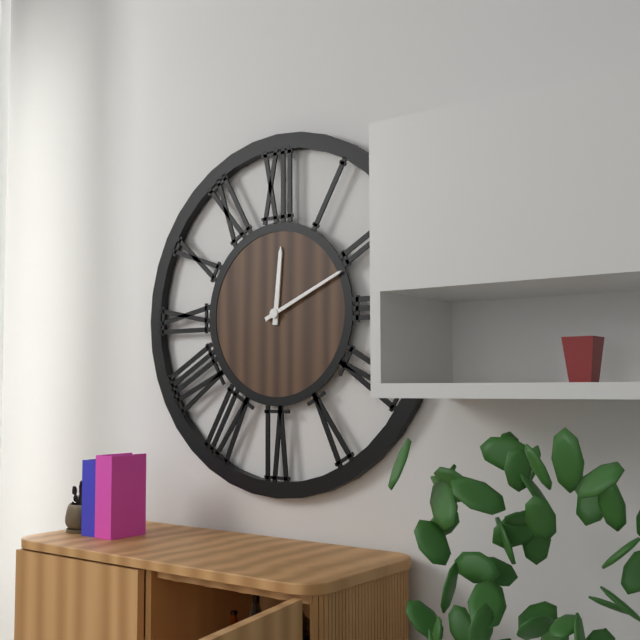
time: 12:11
